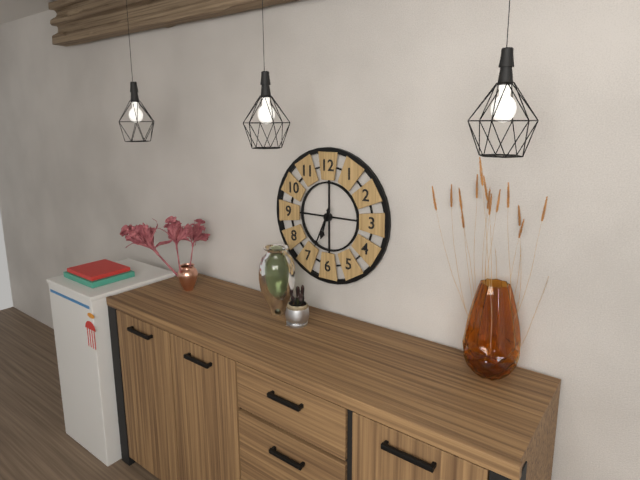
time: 6:34
